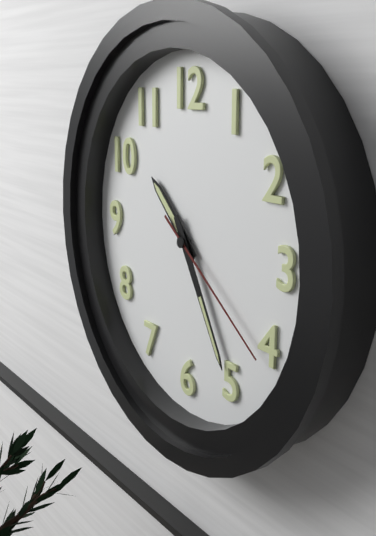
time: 10:25:21
